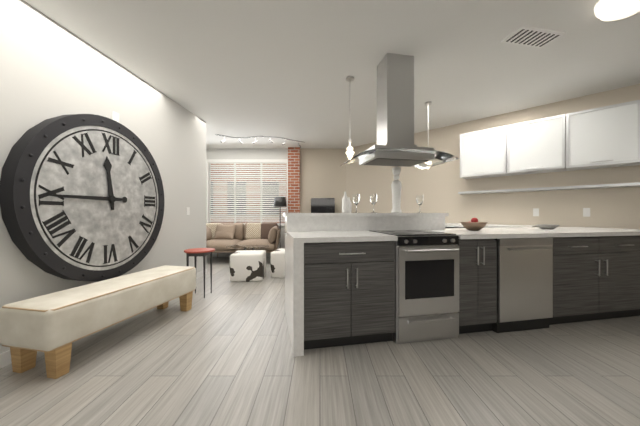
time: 11:45
